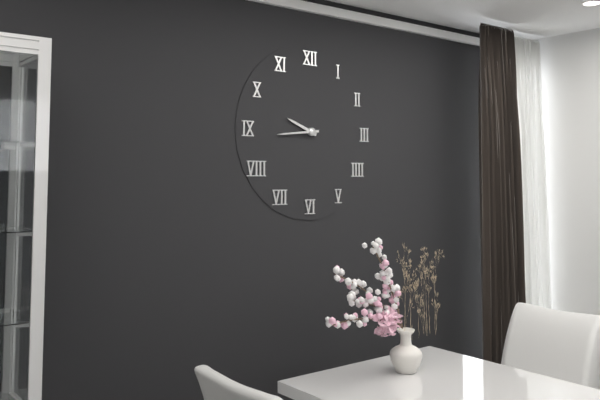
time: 9:44
